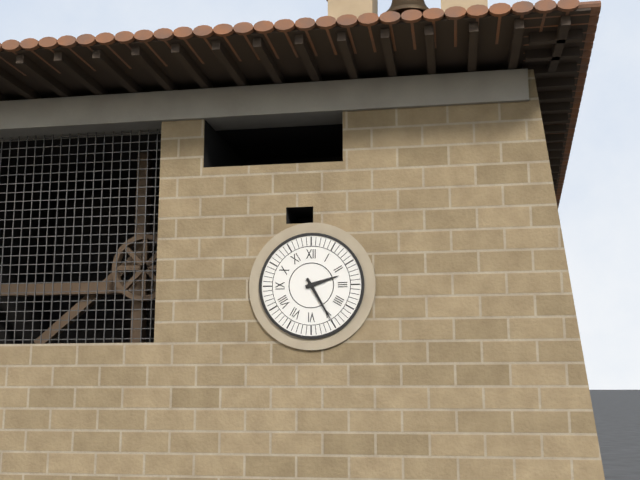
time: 2:25
